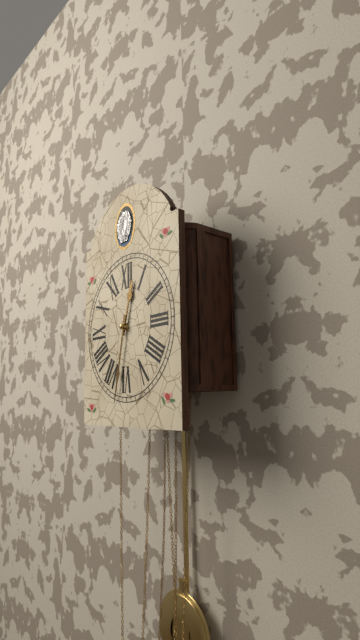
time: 12:32
